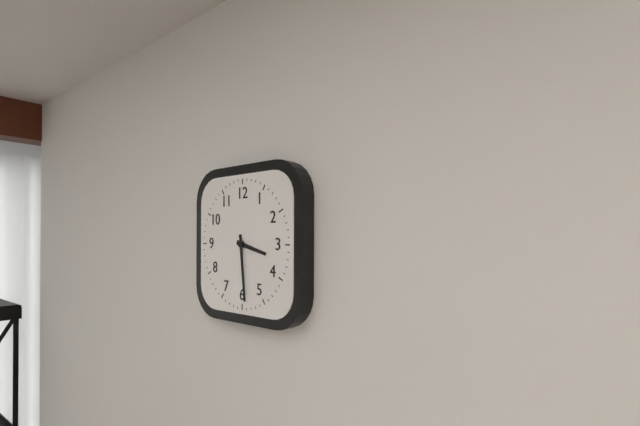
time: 3:29
